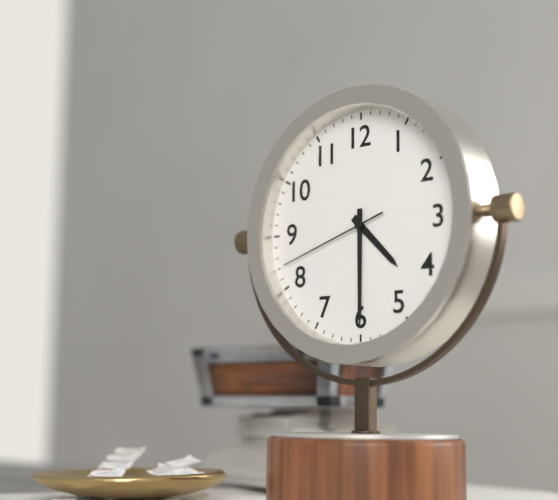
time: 4:30:42
